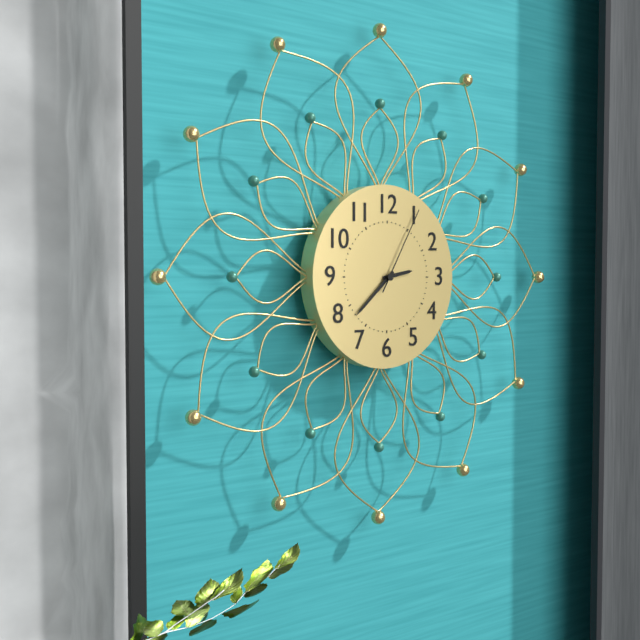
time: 2:38:05
